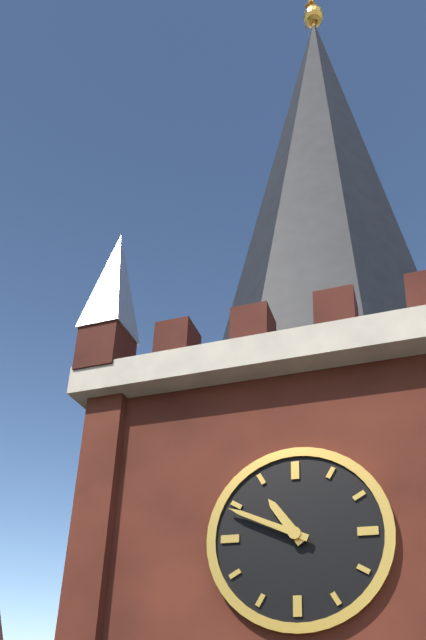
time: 10:49
